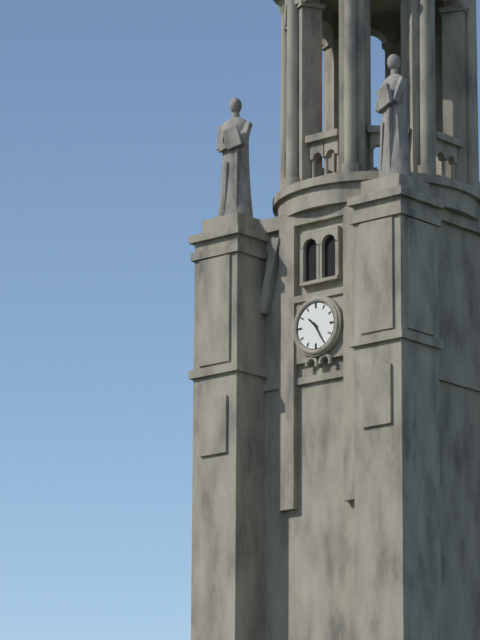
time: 10:25
